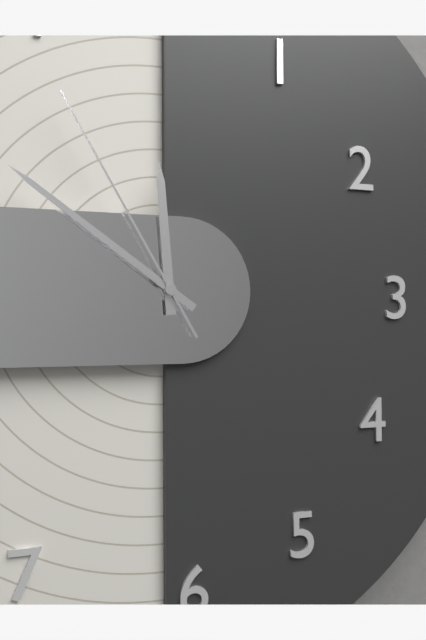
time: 11:51:55
